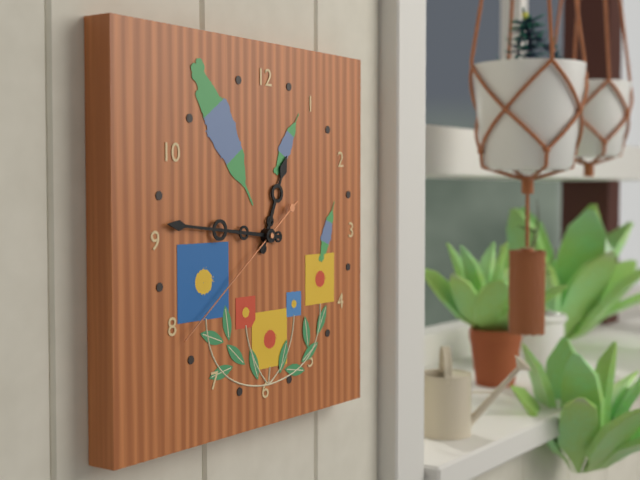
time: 12:46:39
